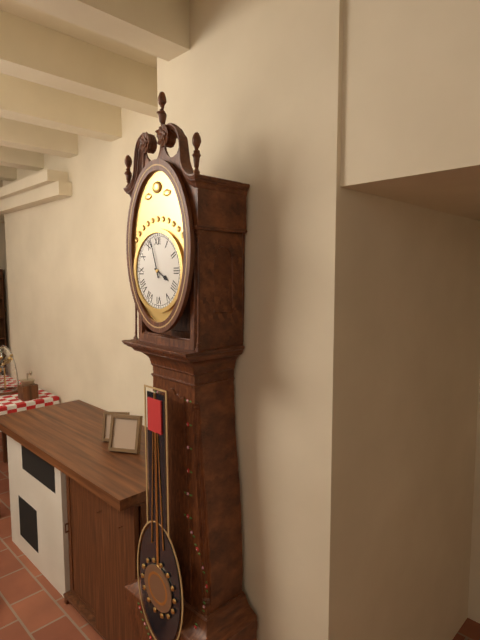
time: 3:57
